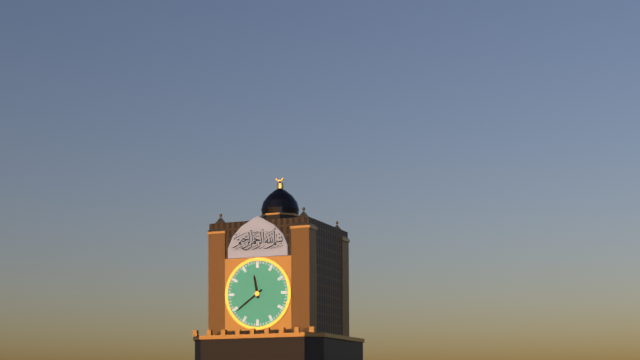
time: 11:39
